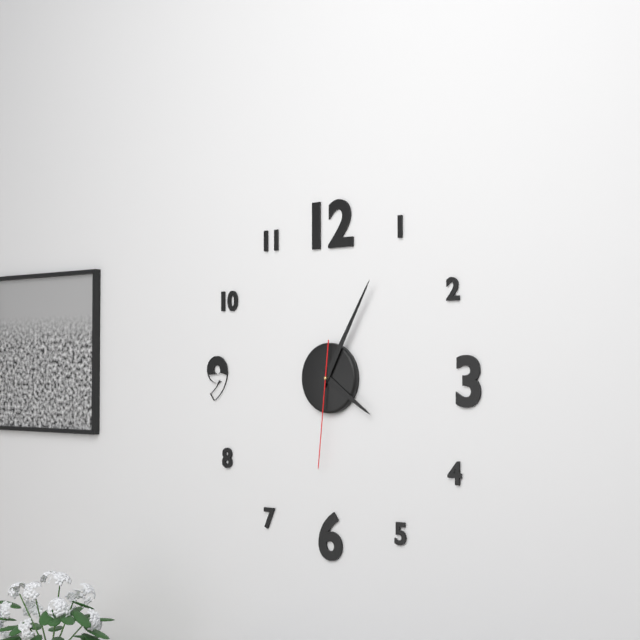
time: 4:05:31
